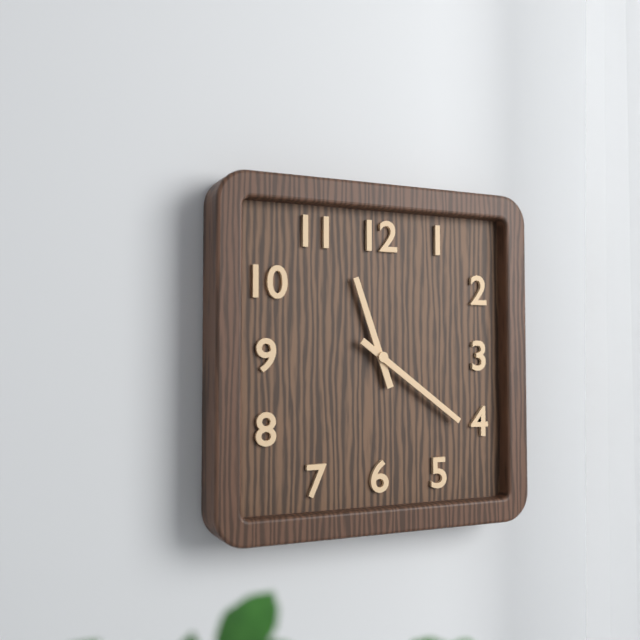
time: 11:21
